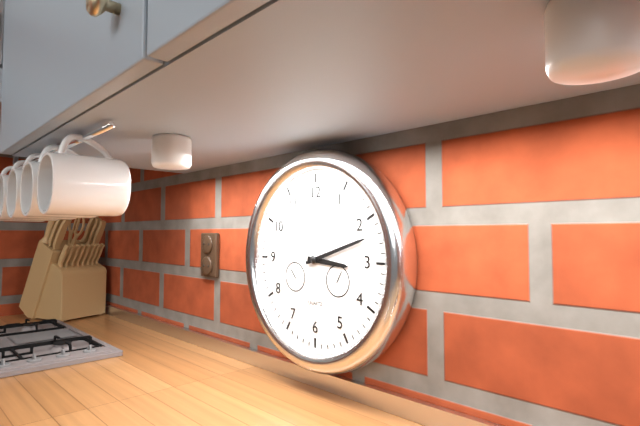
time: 3:12
